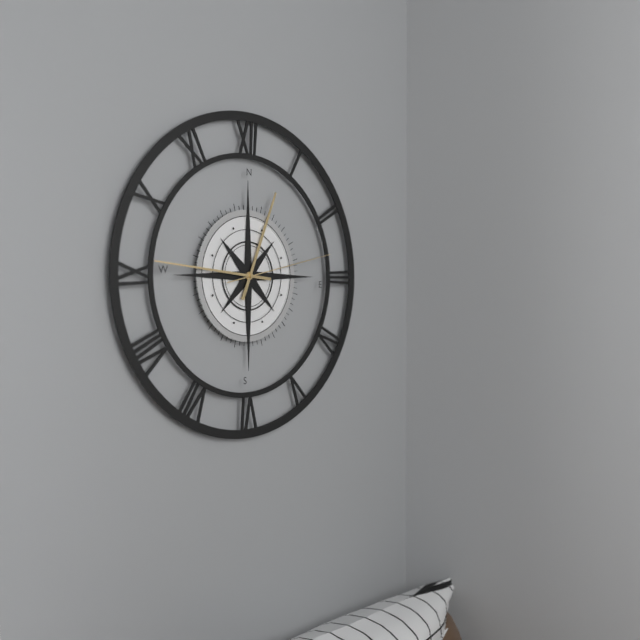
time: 12:46:13
